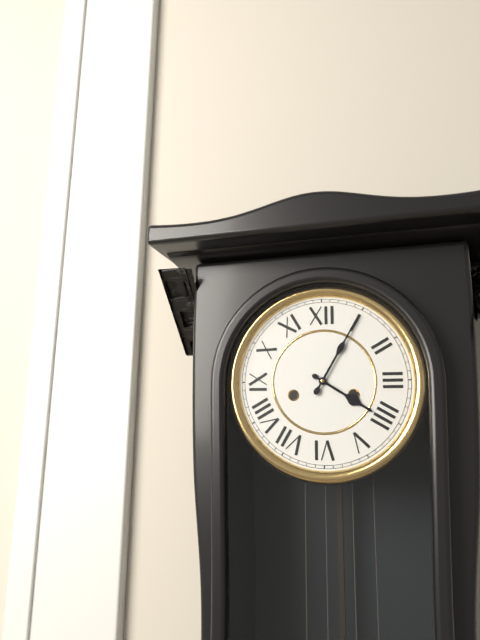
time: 4:05
